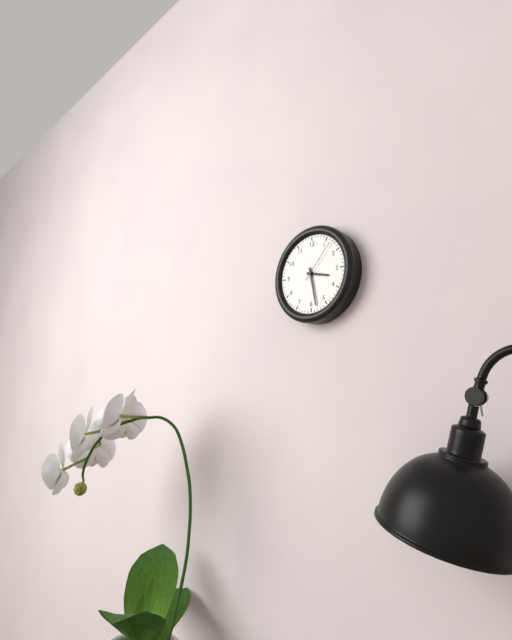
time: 3:28
